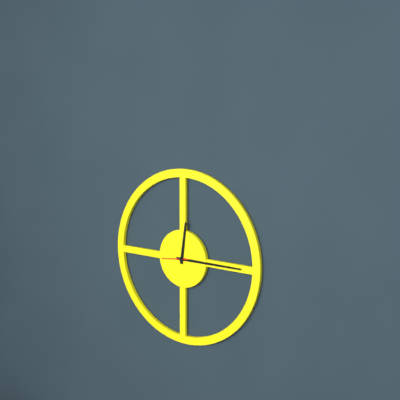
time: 12:15
